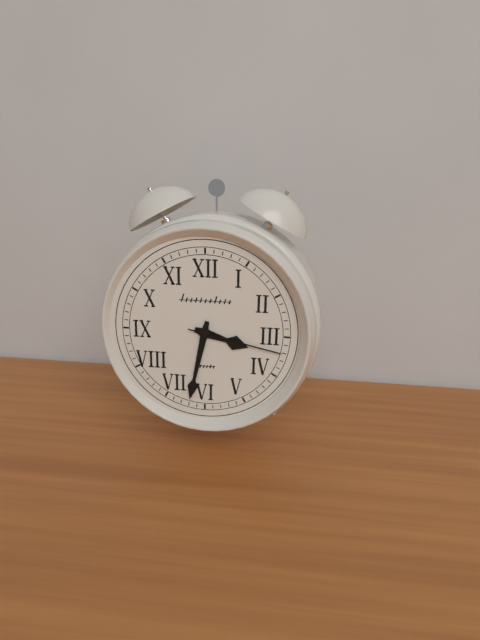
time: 3:32:17
